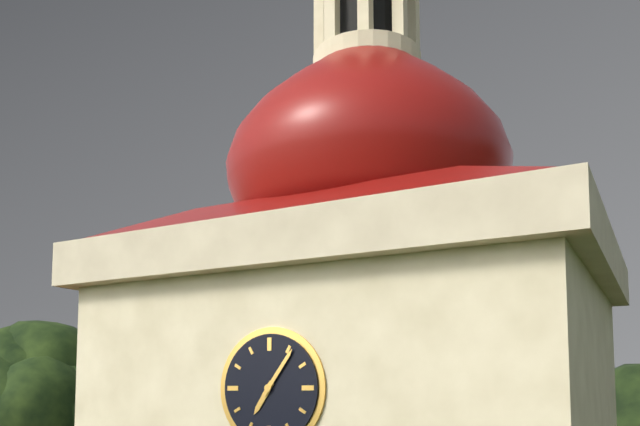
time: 7:06
